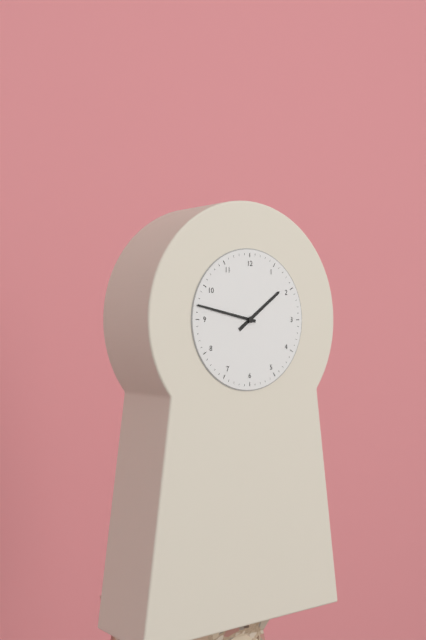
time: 1:47
